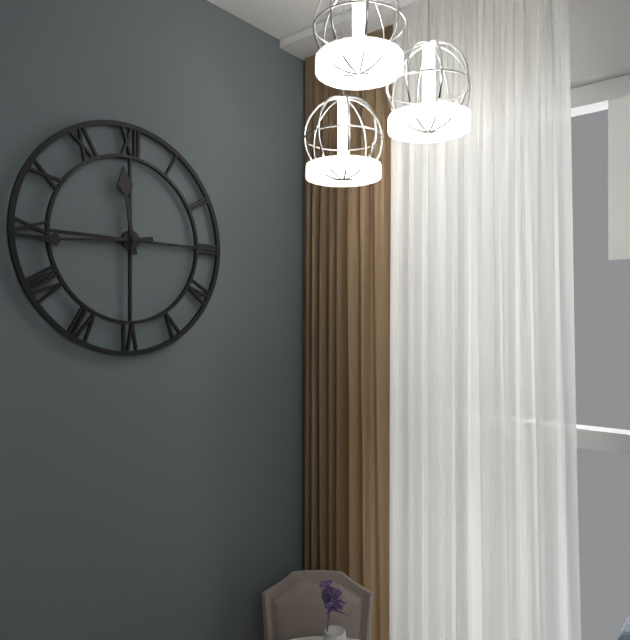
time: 11:44
